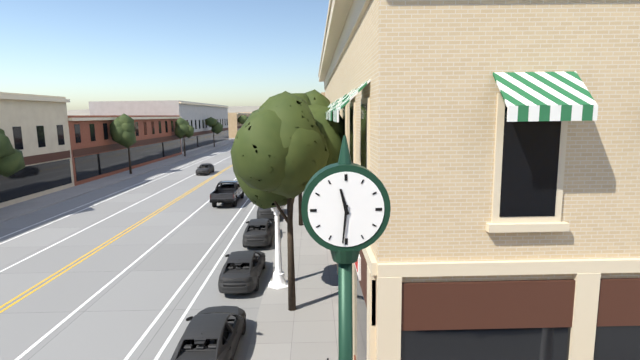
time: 11:31
